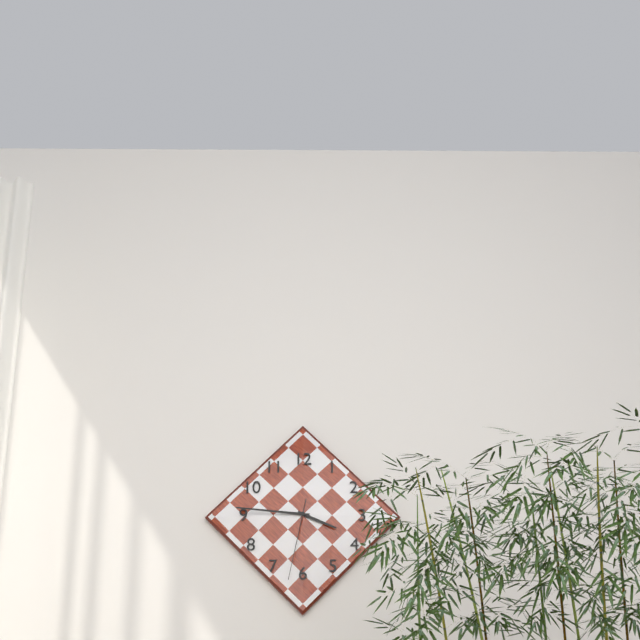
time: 3:46:32
